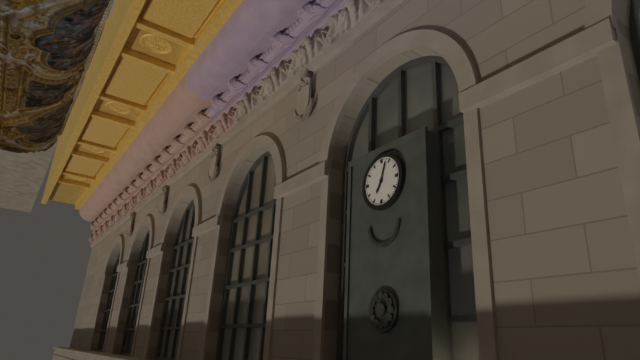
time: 7:03
